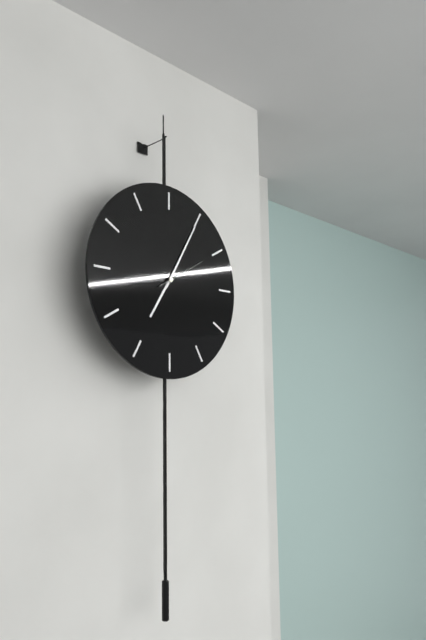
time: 7:05
